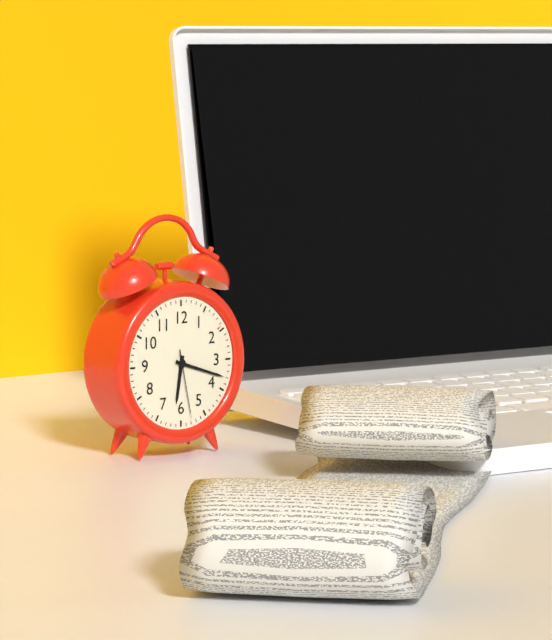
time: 6:18:28
